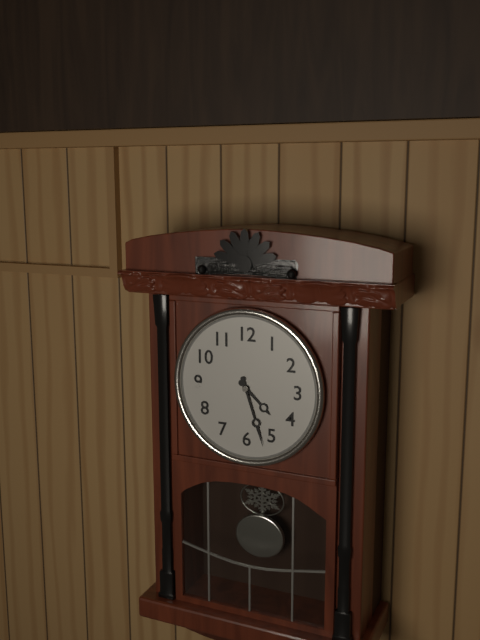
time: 4:27
